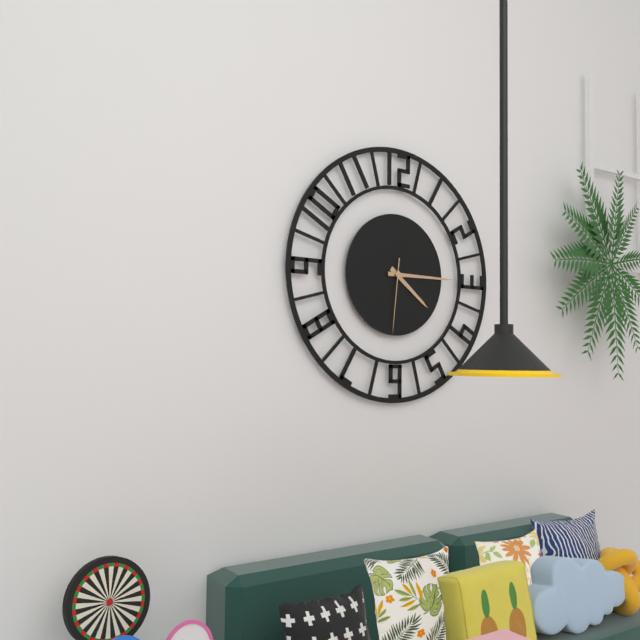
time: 4:15:31
